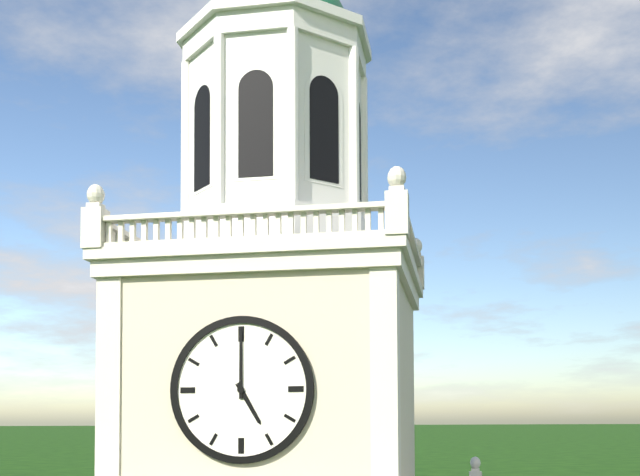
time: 5:00
